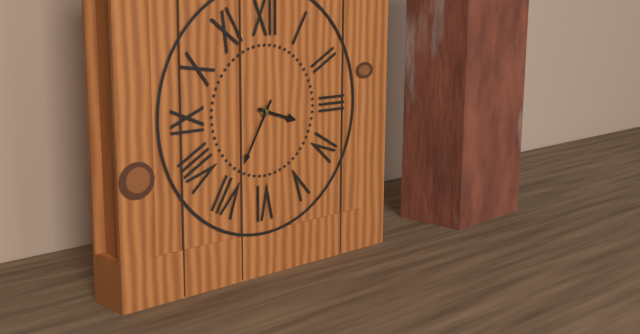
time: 3:35
